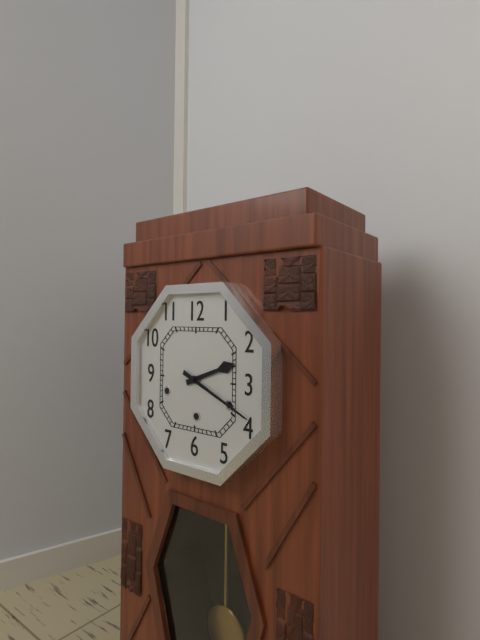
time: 2:19
